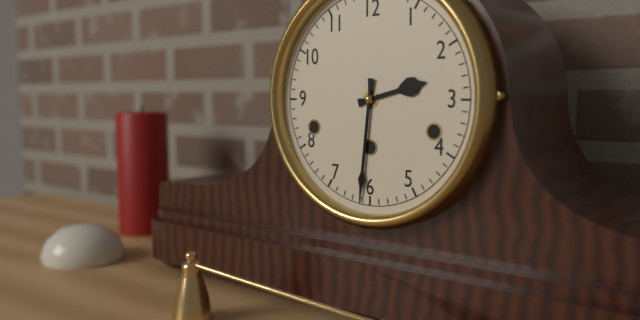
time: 2:31
